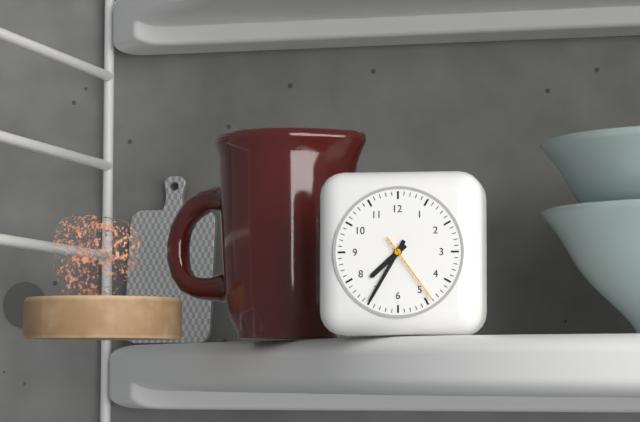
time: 7:35:24
